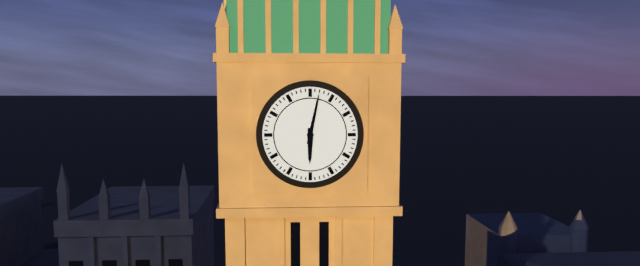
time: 6:02
